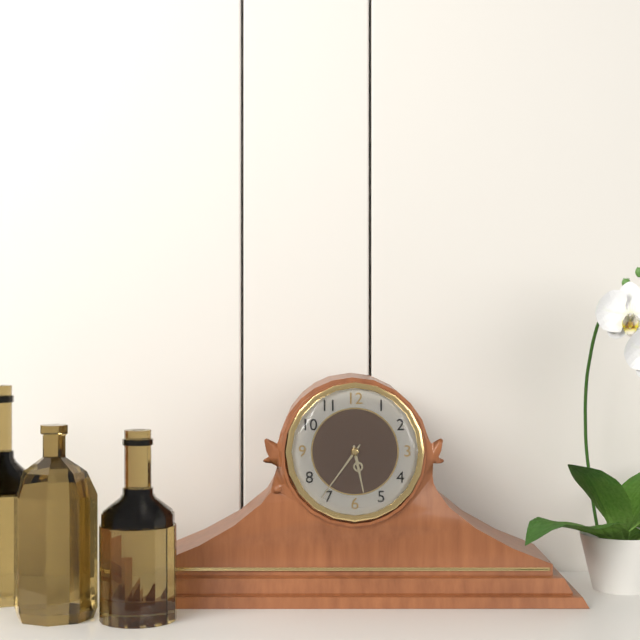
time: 5:36
